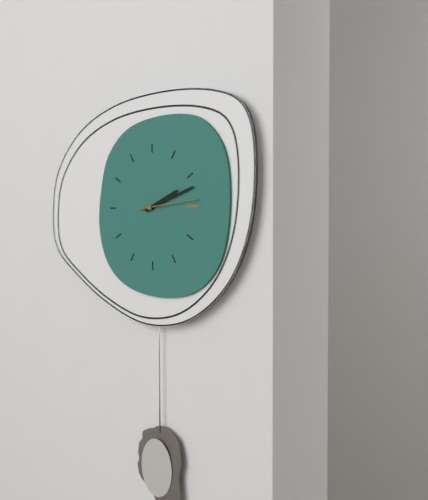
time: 2:12:14
